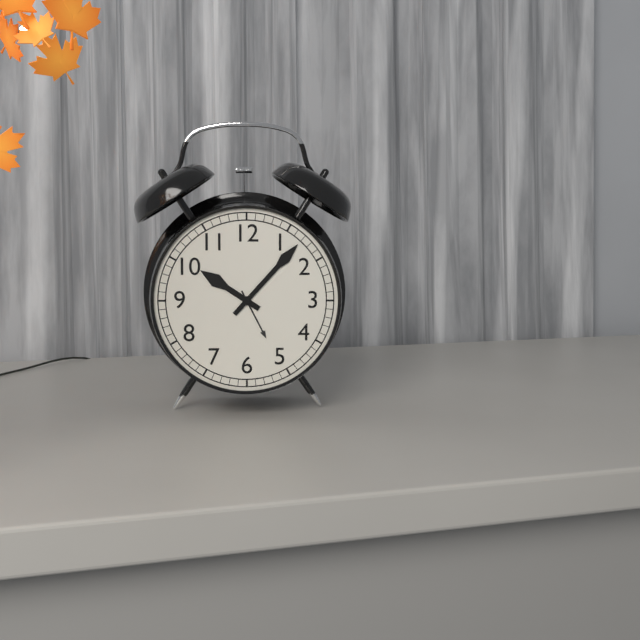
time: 10:07
